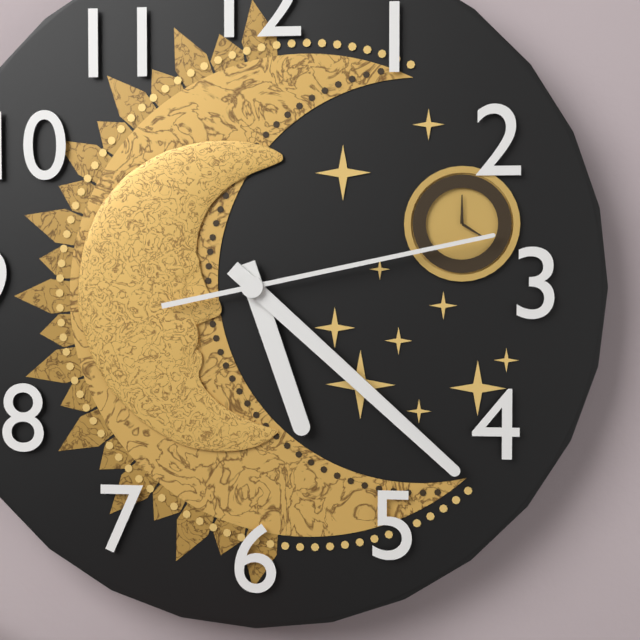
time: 5:22:13
